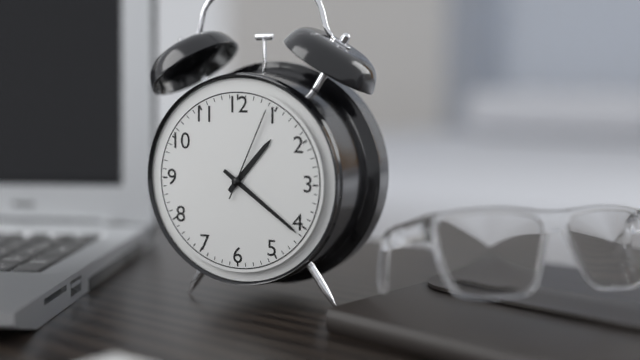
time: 1:21:04
